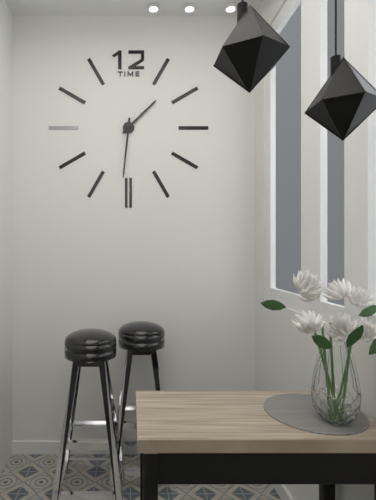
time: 1:31
